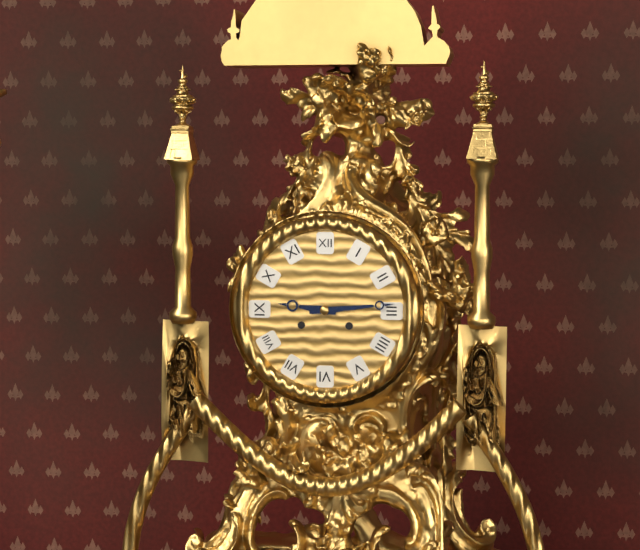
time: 9:14
